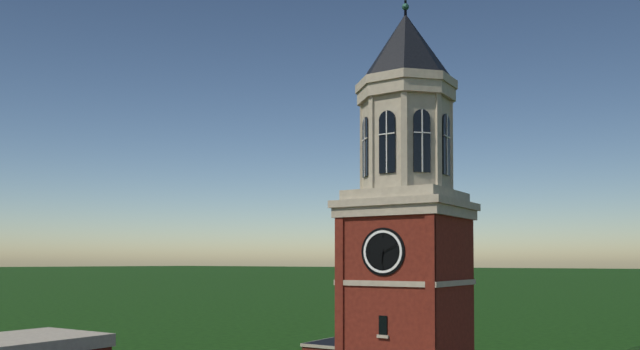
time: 6:11
